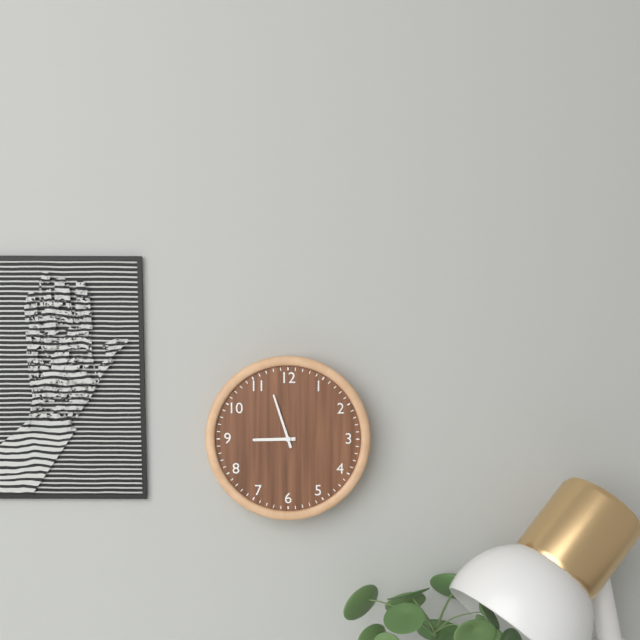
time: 8:57
